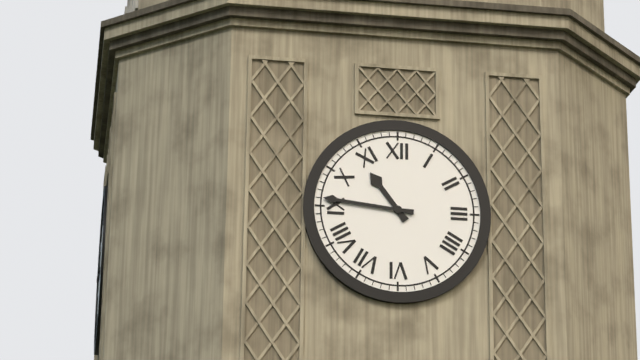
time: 10:46
